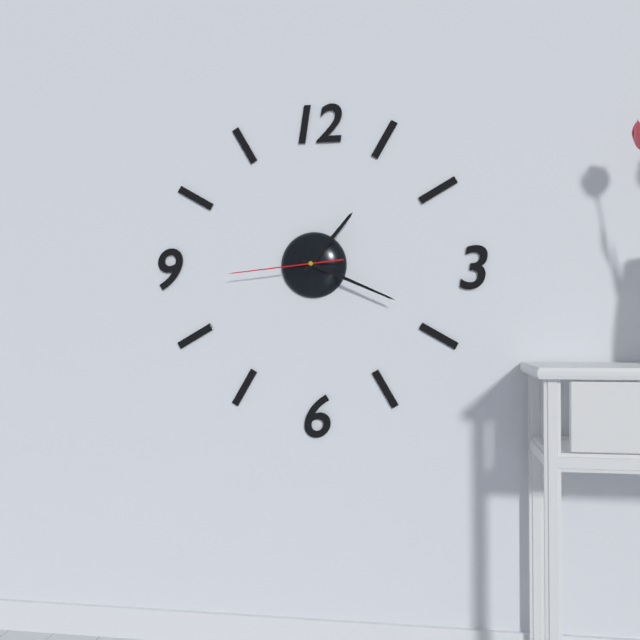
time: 1:19:44
